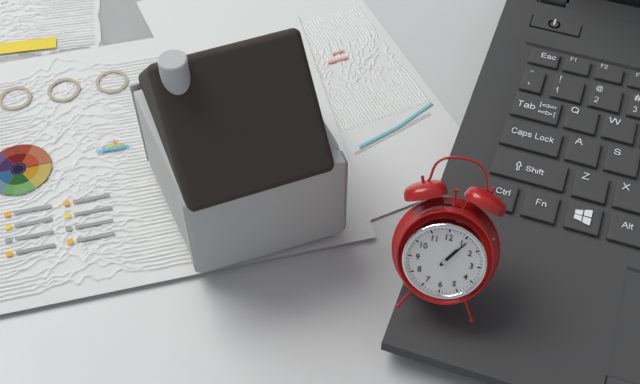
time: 1:06
